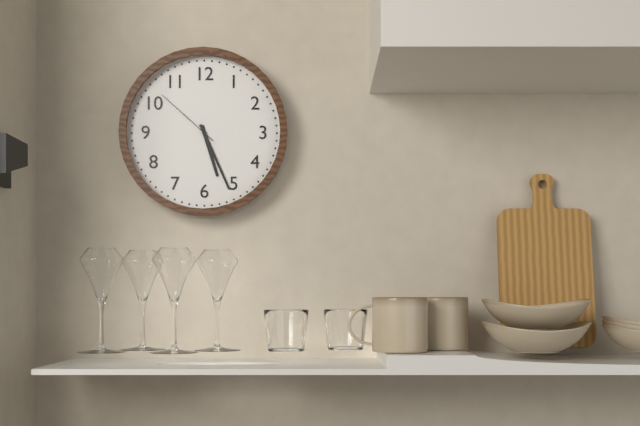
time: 5:26:52
